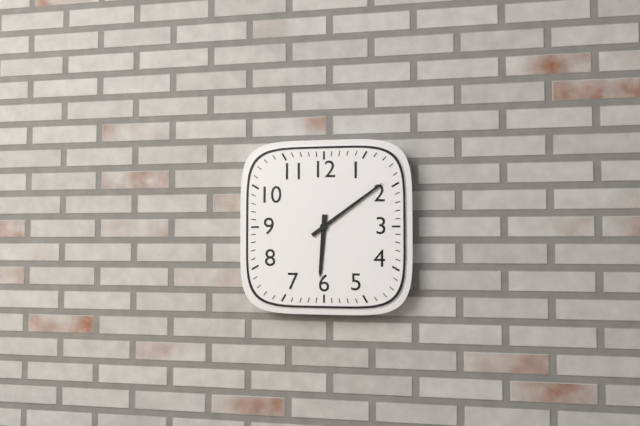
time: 6:09
